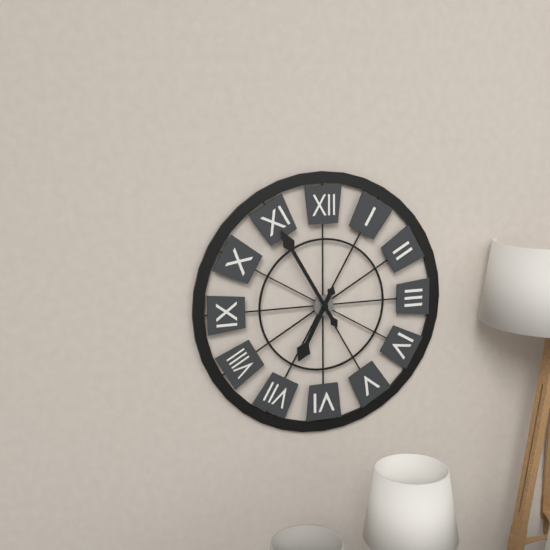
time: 6:55
